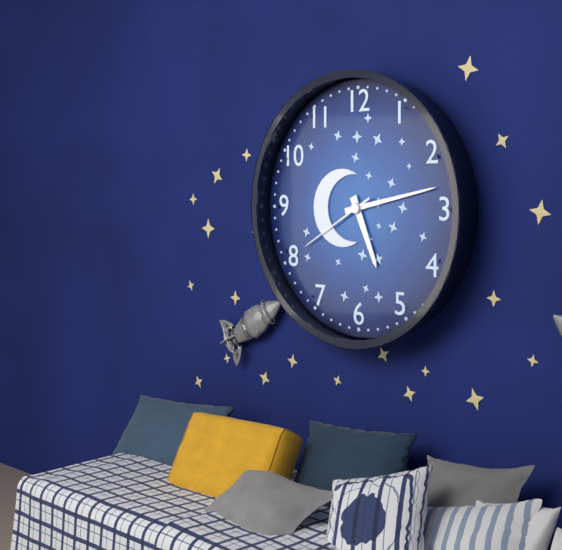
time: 5:13:40
